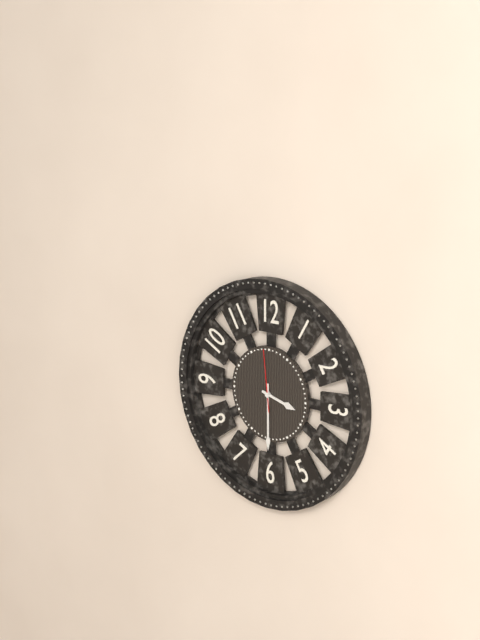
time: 3:30:59
